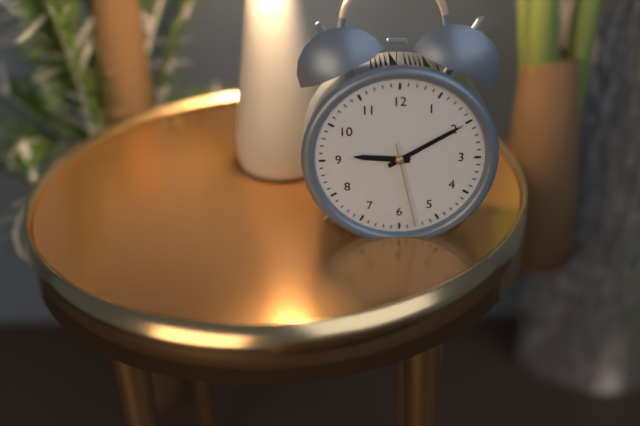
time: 9:10:28
